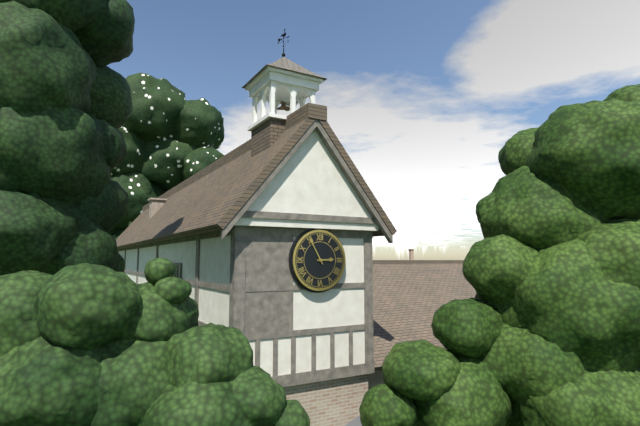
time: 2:55
